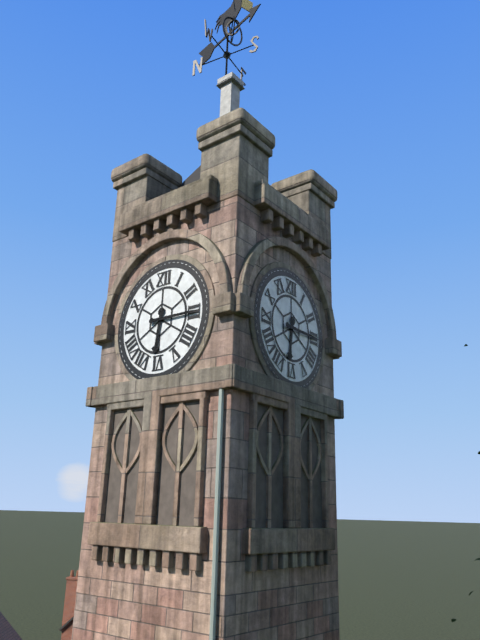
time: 6:15
